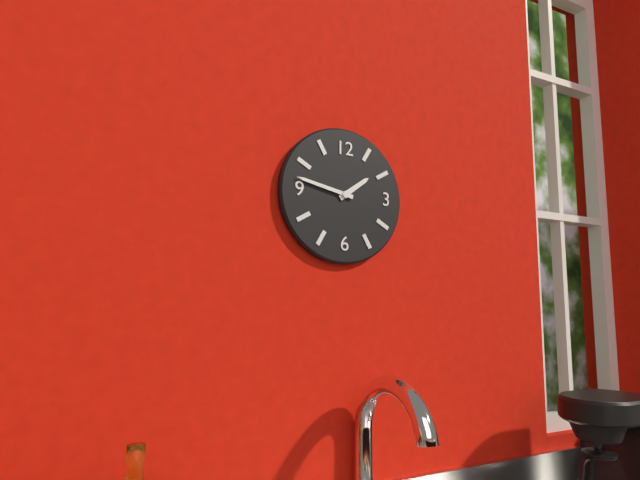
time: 1:47
